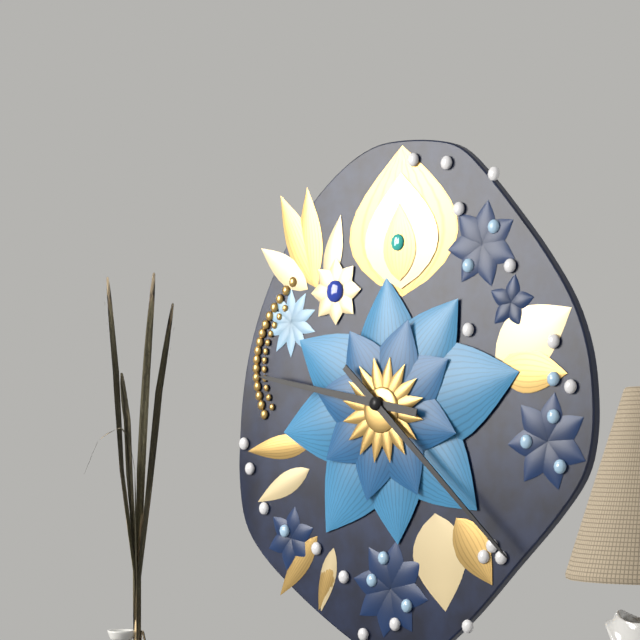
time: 9:22
